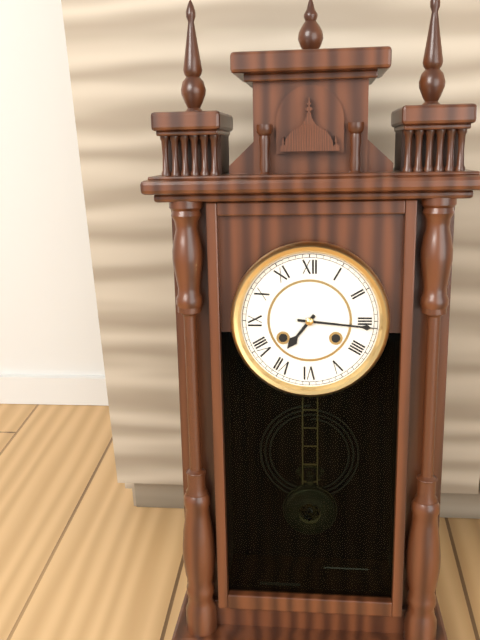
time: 7:16
